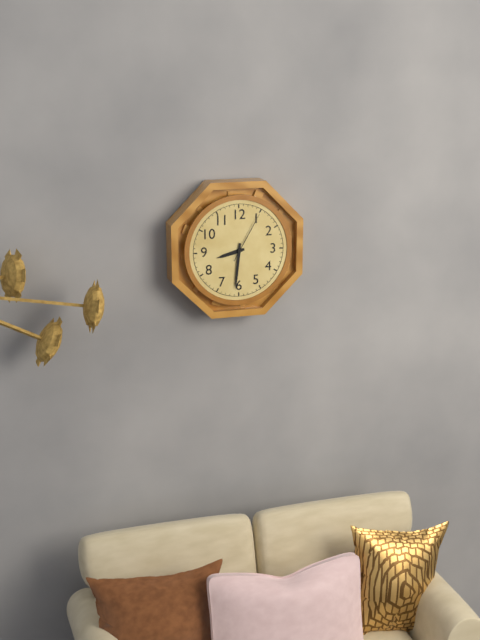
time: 8:31:05
